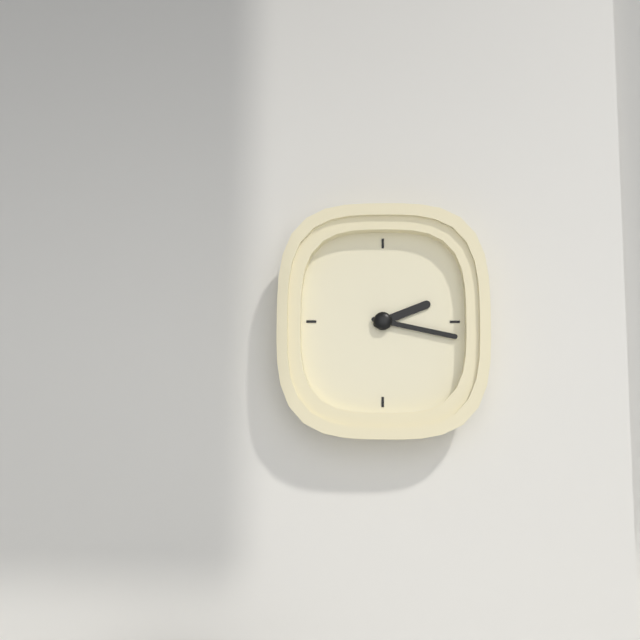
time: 2:17
